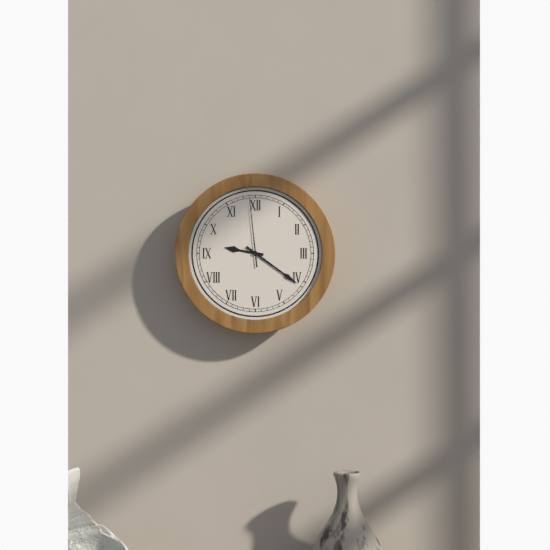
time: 9:21:59
